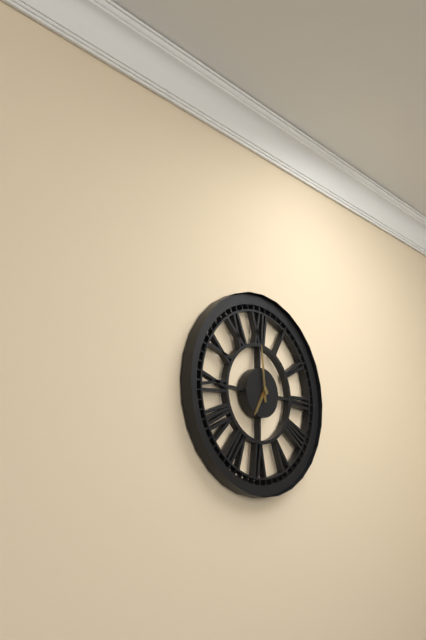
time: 6:59
